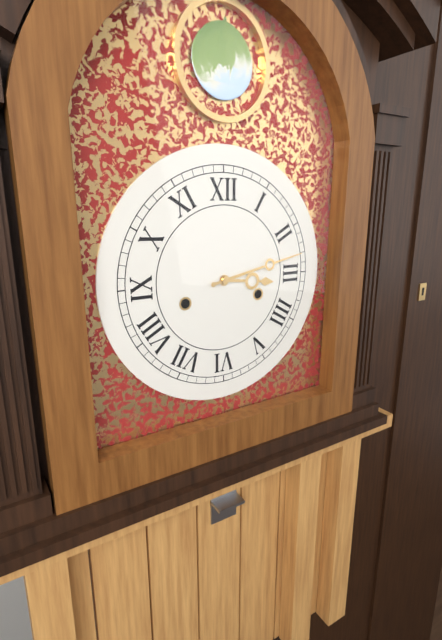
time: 3:13
